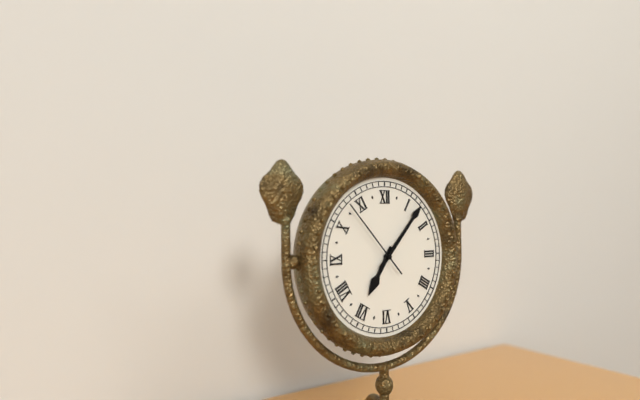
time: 7:07:53
